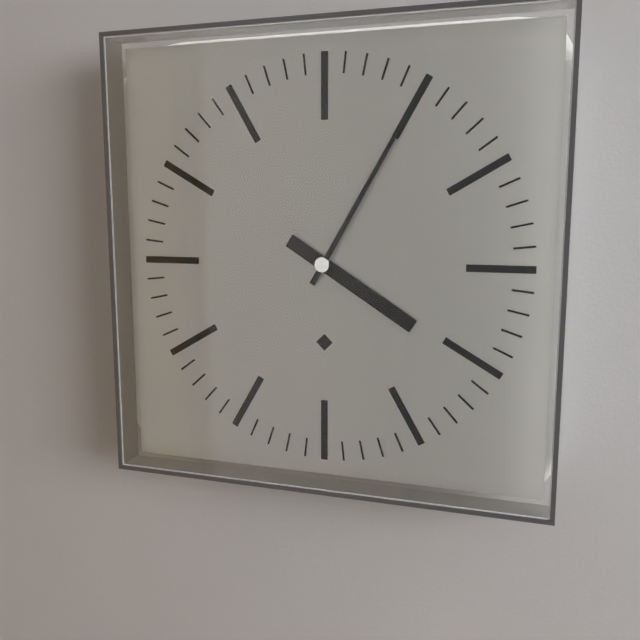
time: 4:05
